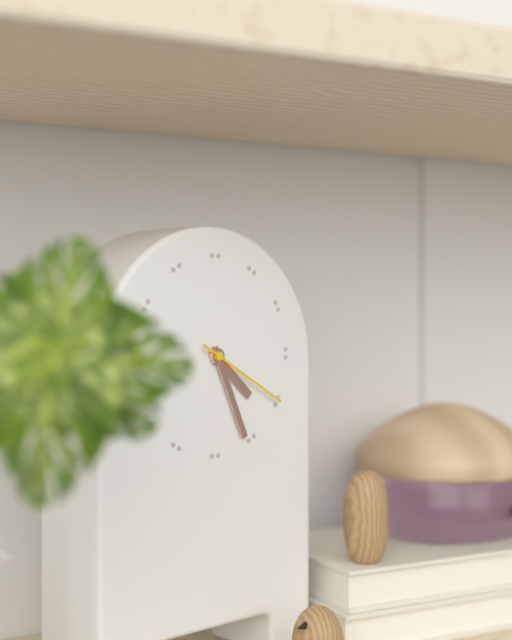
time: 4:26:20
